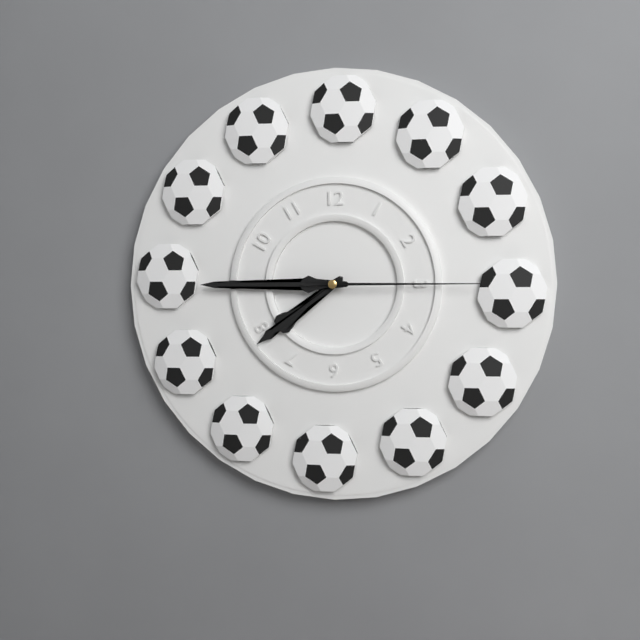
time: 7:45:15
